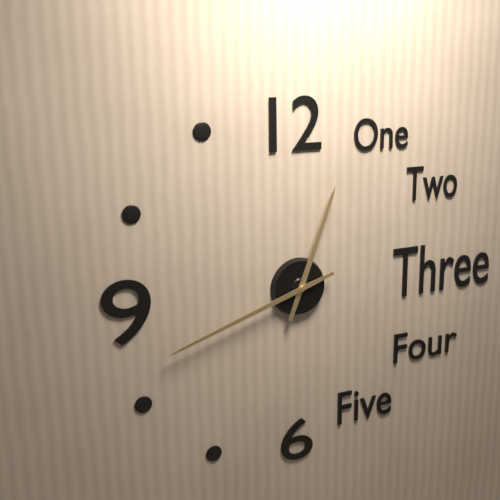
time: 12:42
